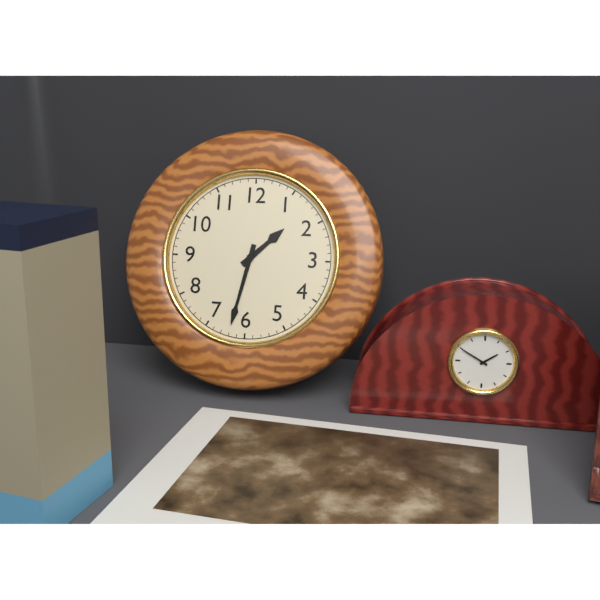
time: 1:32
